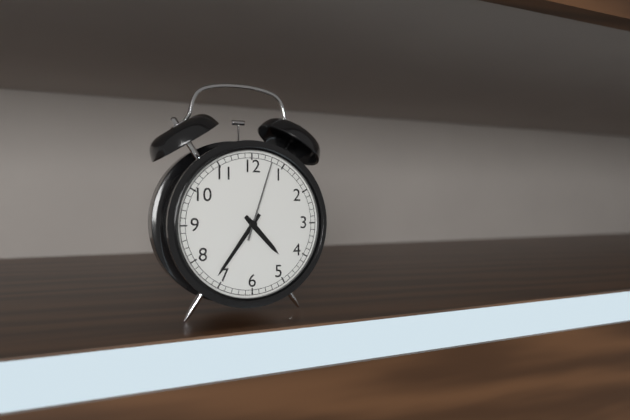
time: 4:36:03
